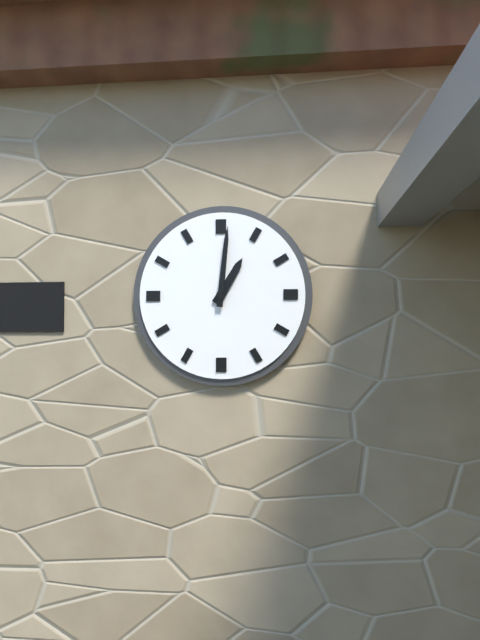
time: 1:01
